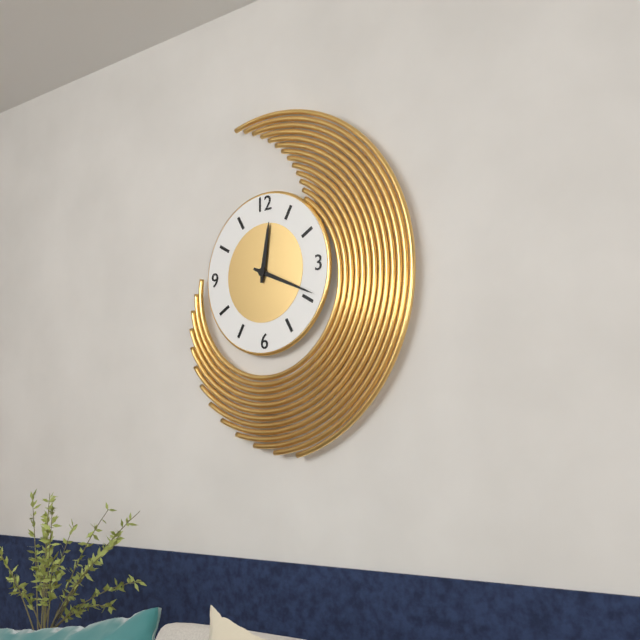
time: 12:19
